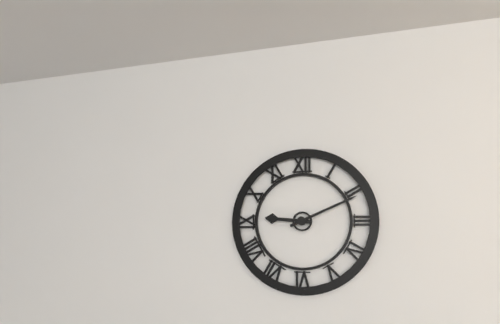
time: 9:11
